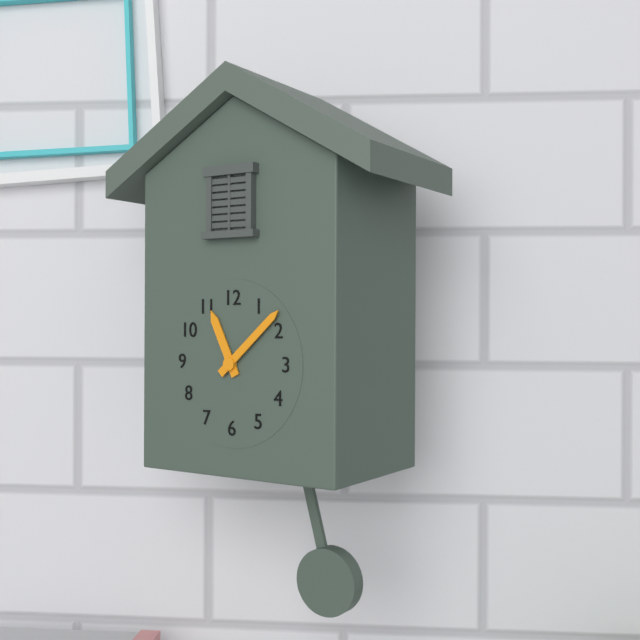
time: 11:08
